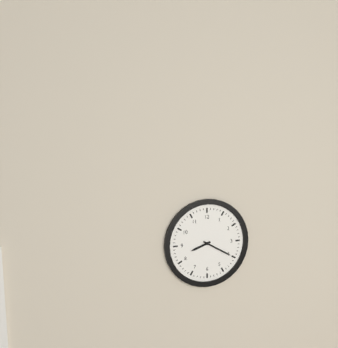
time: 8:20
